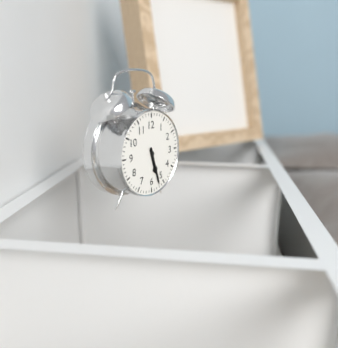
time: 5:27
